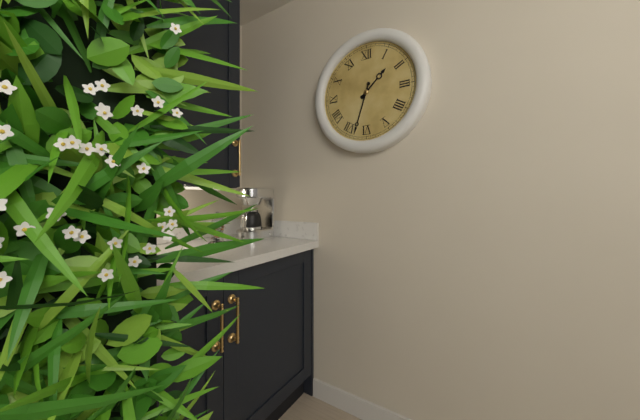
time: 1:33
